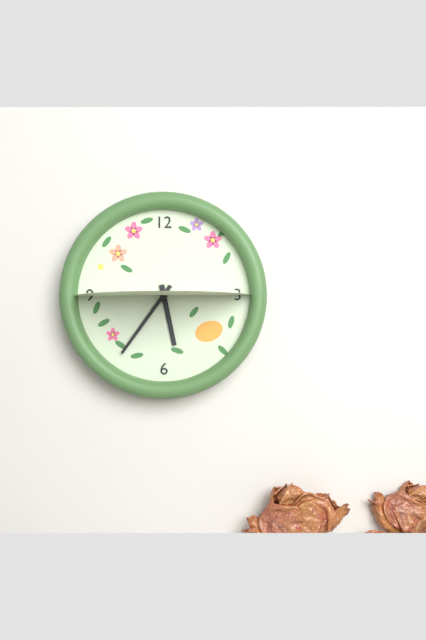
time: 5:36
